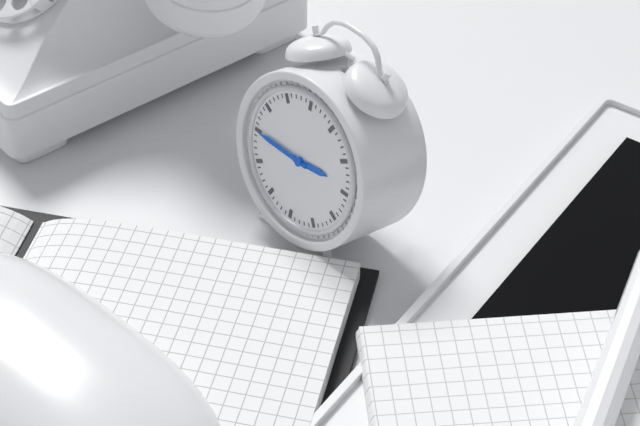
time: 2:45
